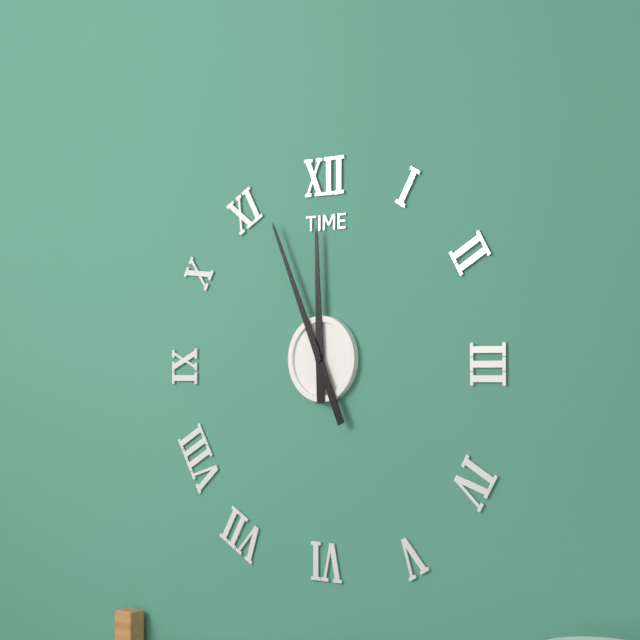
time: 11:56
